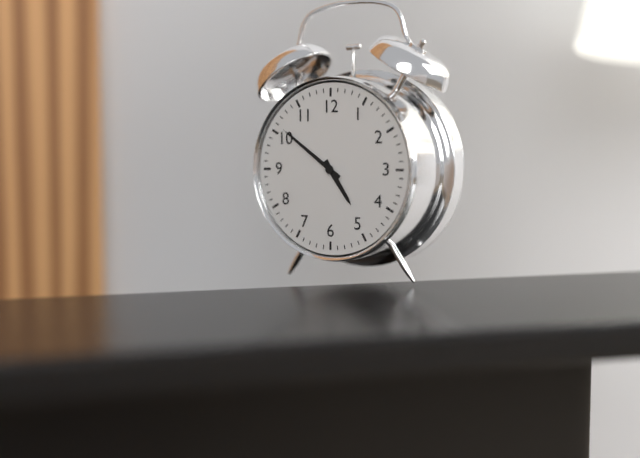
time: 4:51
